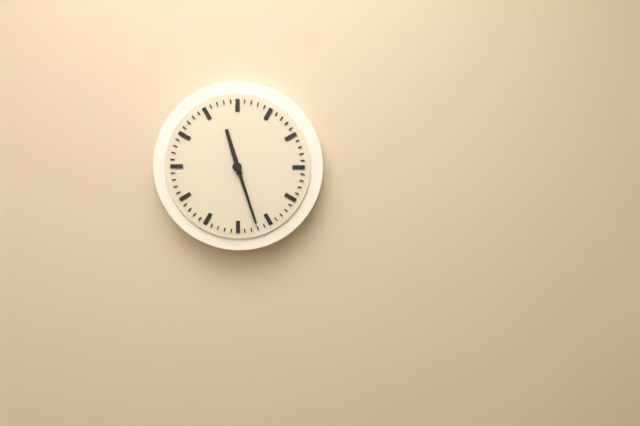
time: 11:27
